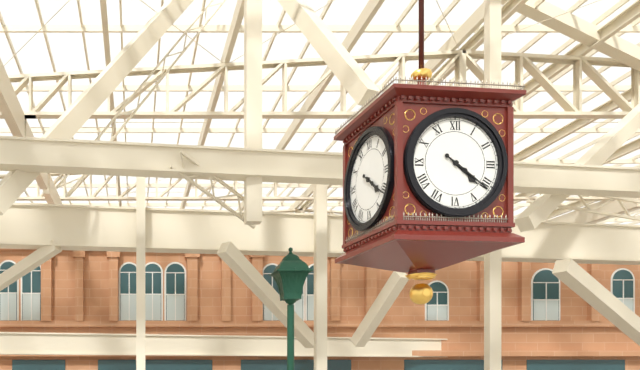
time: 4:21
